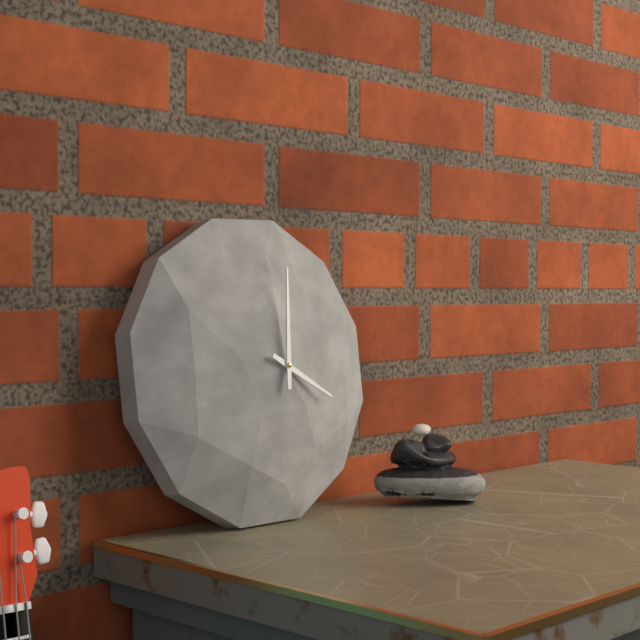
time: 4:01
